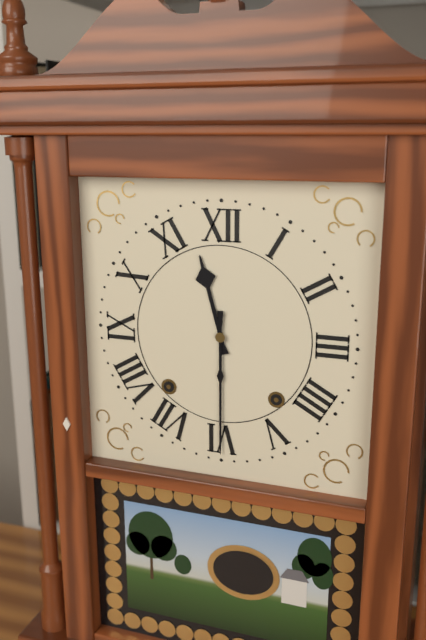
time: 11:30
